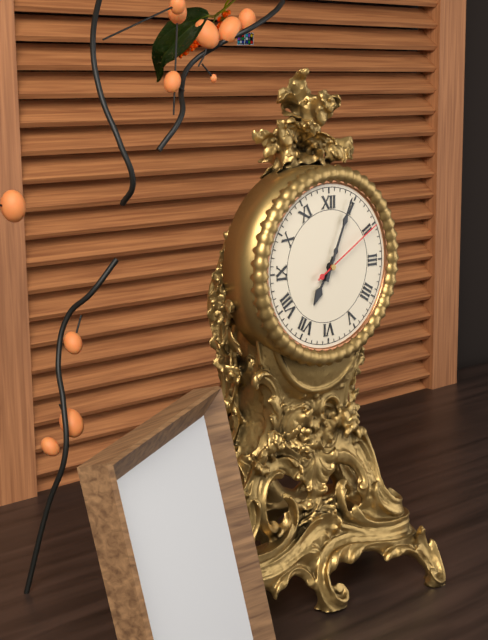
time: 7:04:10
